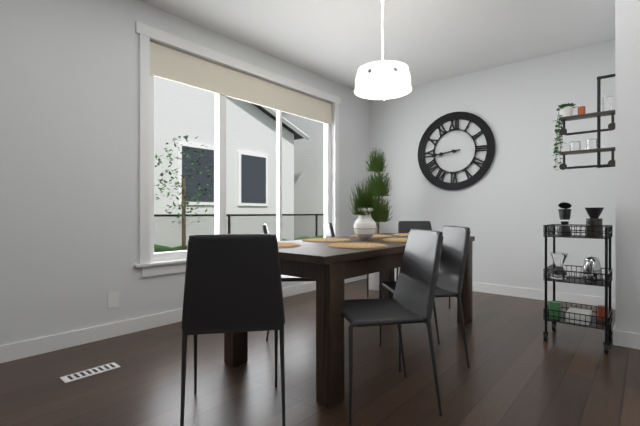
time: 8:44
